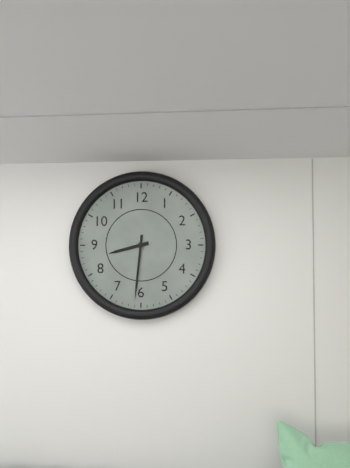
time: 8:31
